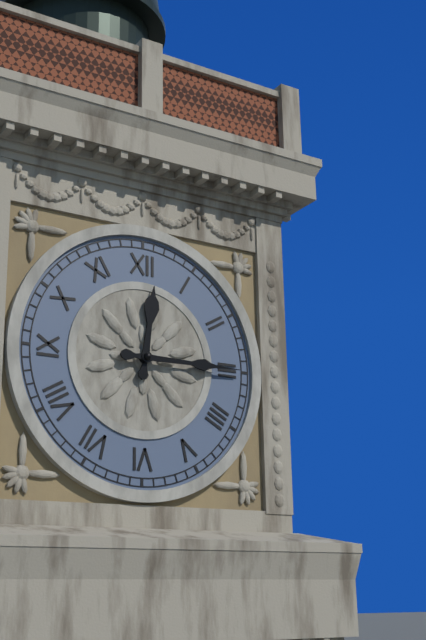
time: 12:15
